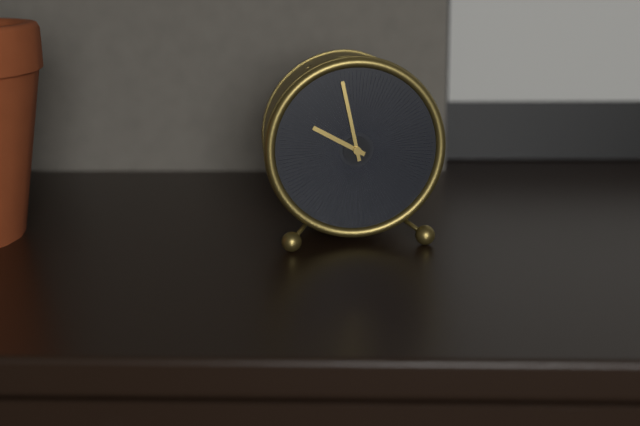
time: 9:58
